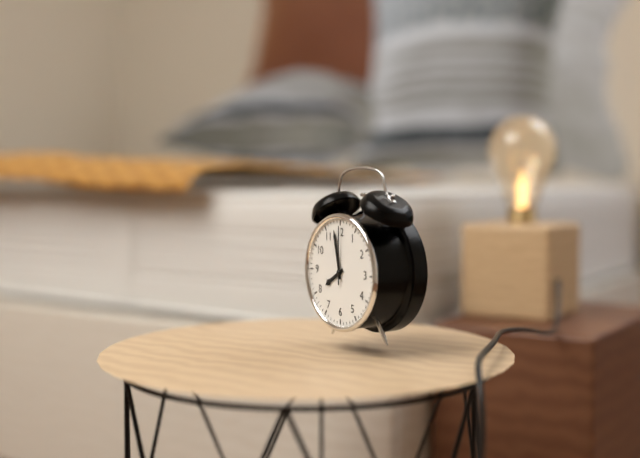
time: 7:58:00
